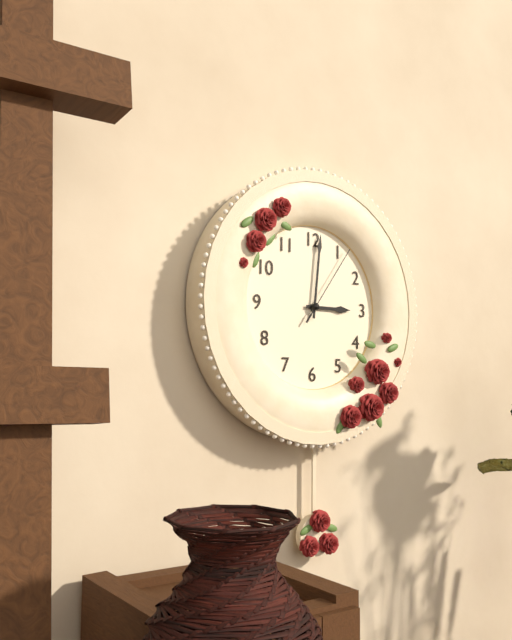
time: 3:01:06
